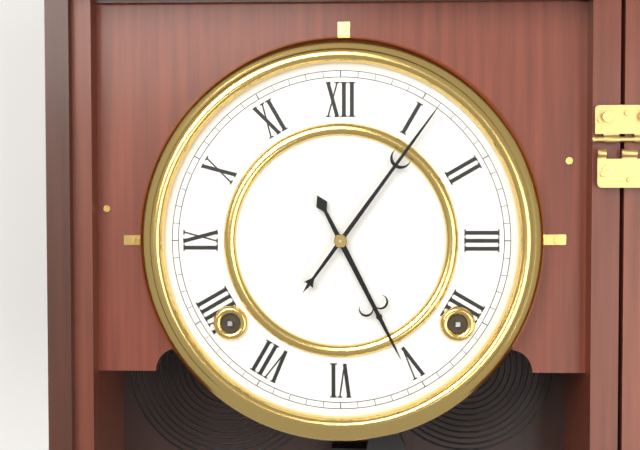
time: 5:06
